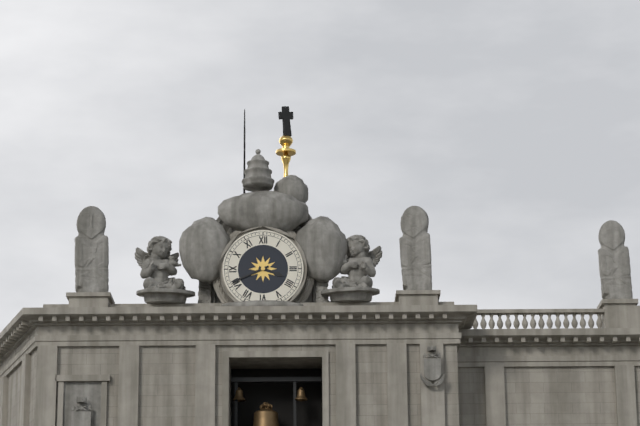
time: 3:41
